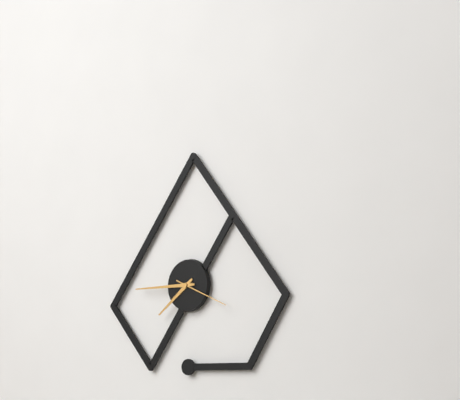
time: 7:45
